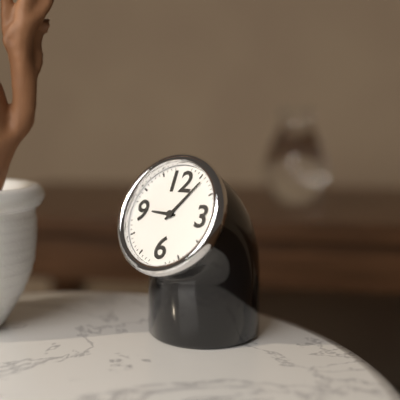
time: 9:06
